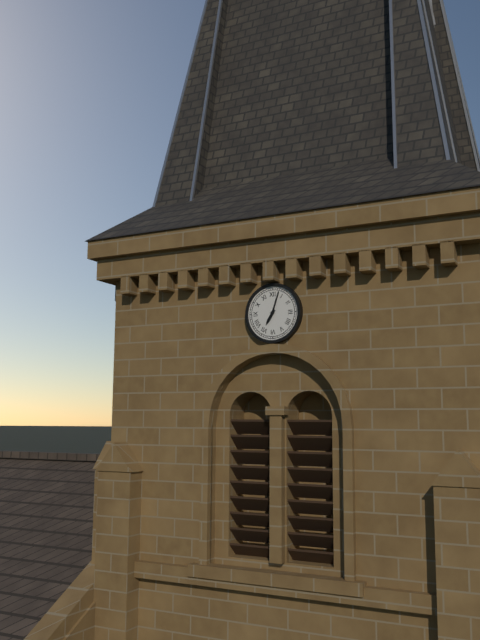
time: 7:03
